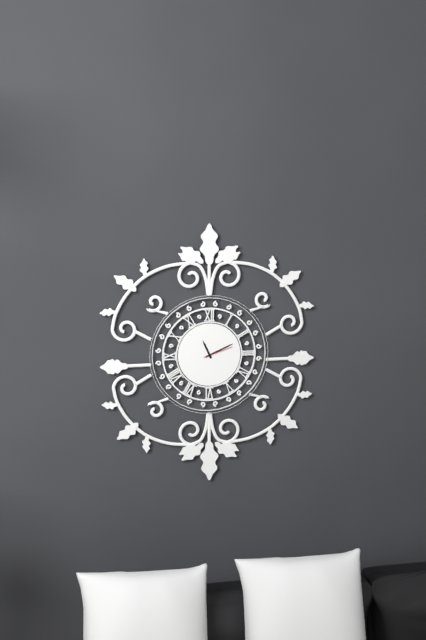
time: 11:11
